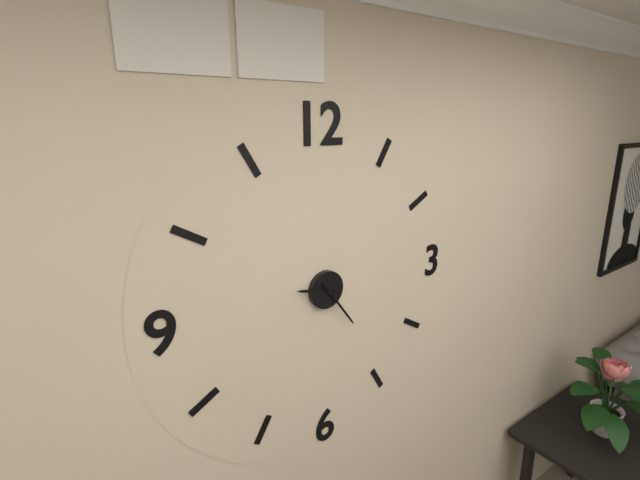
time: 9:24
